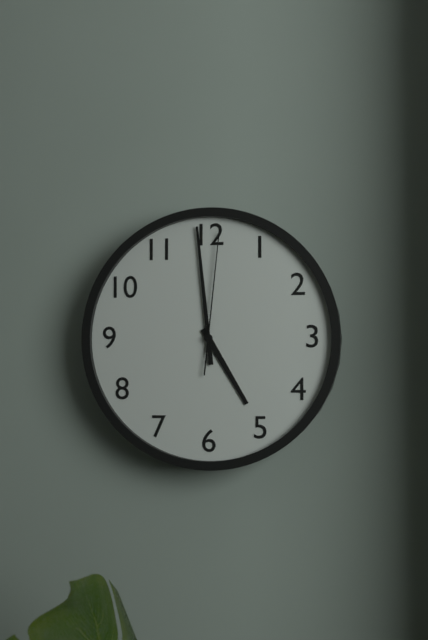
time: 4:59:01
